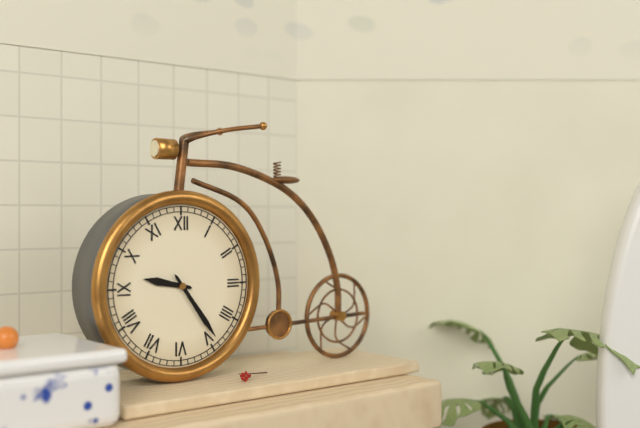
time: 9:24
